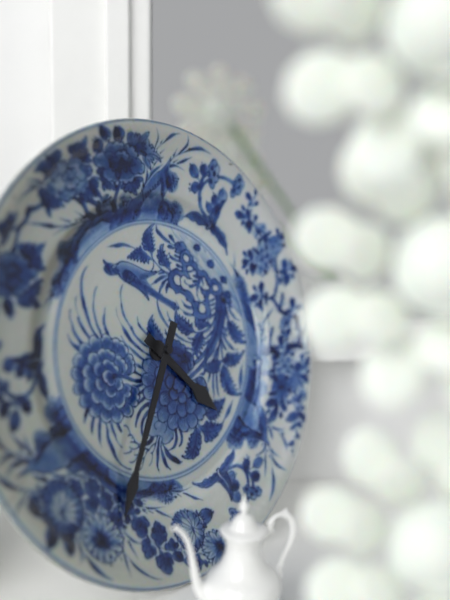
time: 4:35
